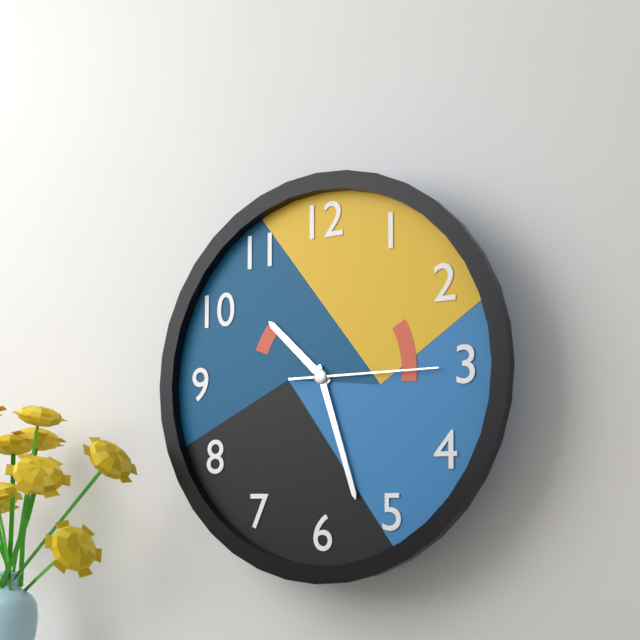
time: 10:27:15
